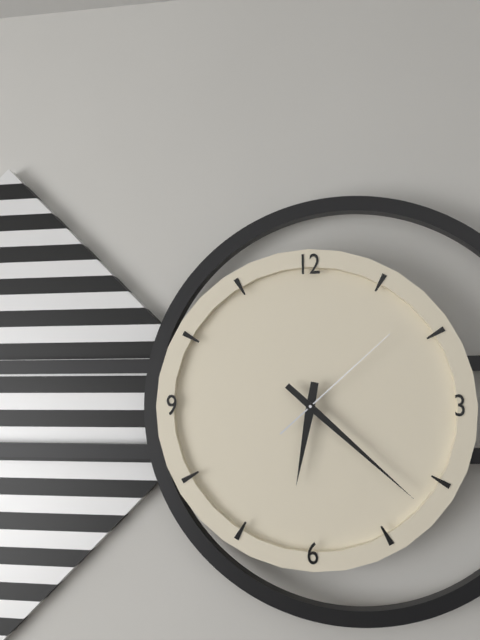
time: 6:22:08
